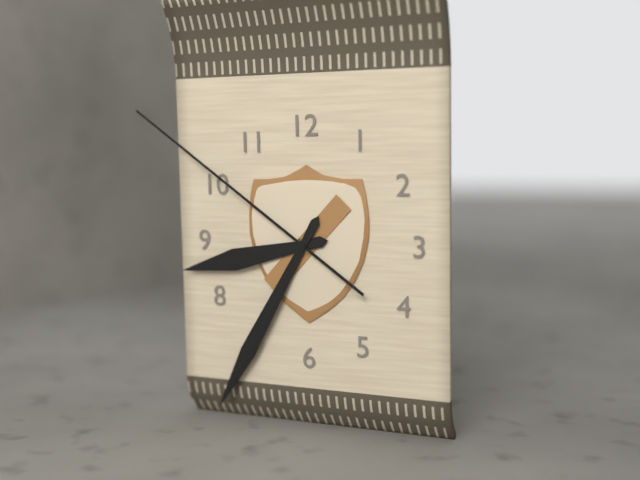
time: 8:35:51
